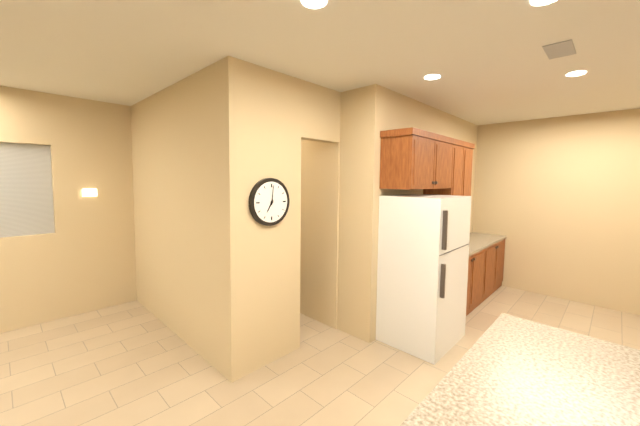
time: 7:01
